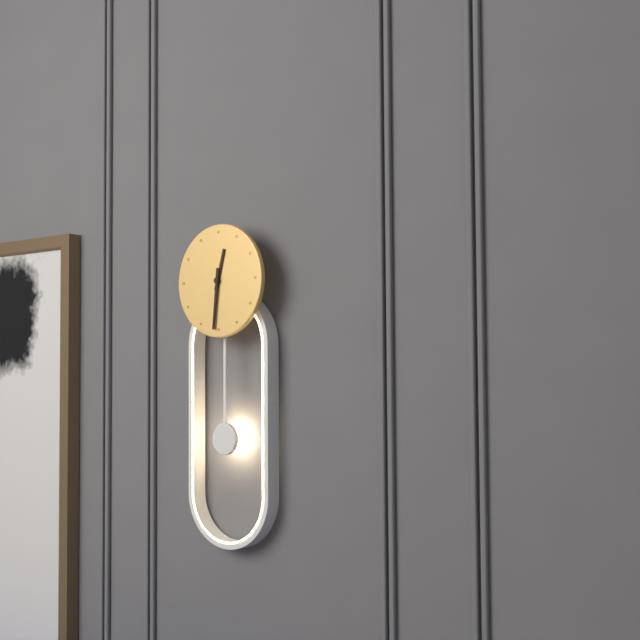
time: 12:31
